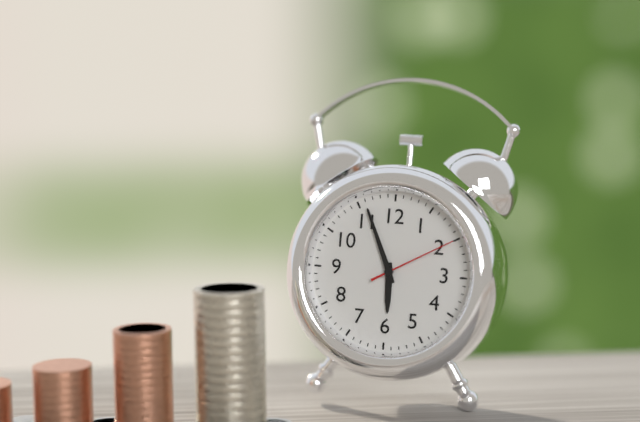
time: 5:56:10
